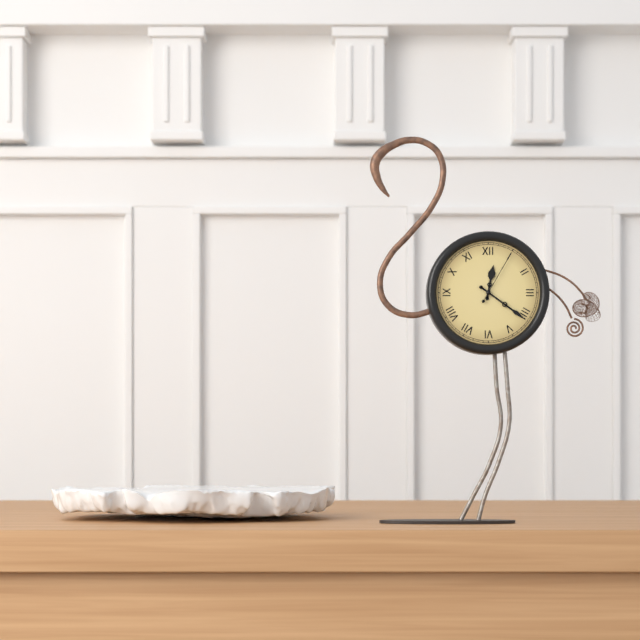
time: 12:21:05
